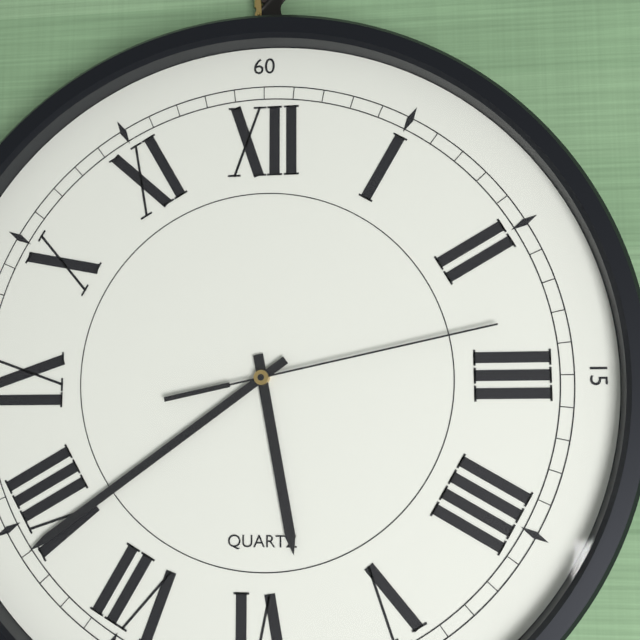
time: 5:39:13
